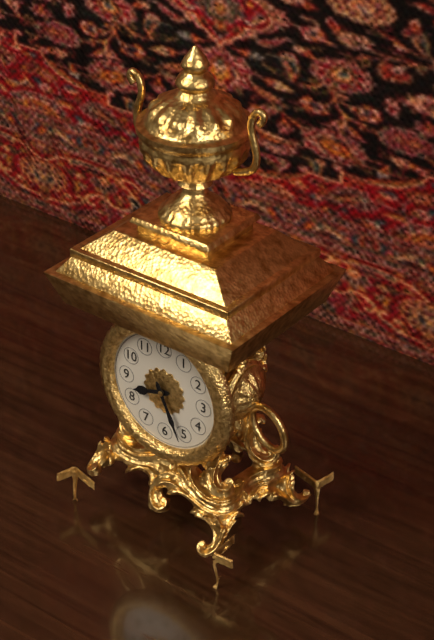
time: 8:26
